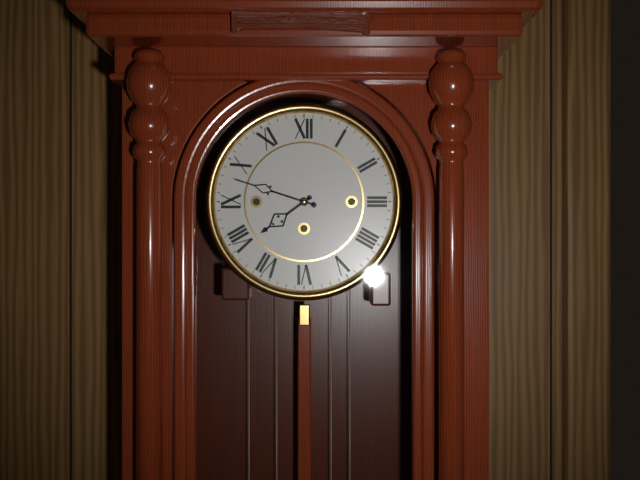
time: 7:48
